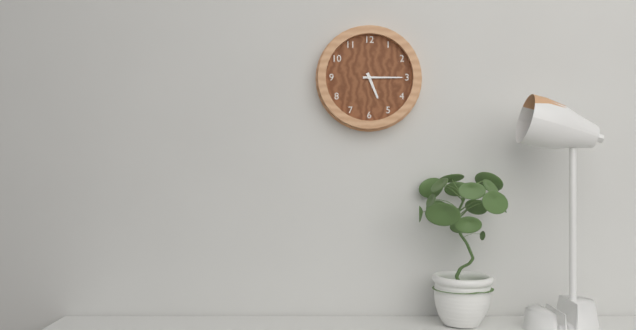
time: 5:15
